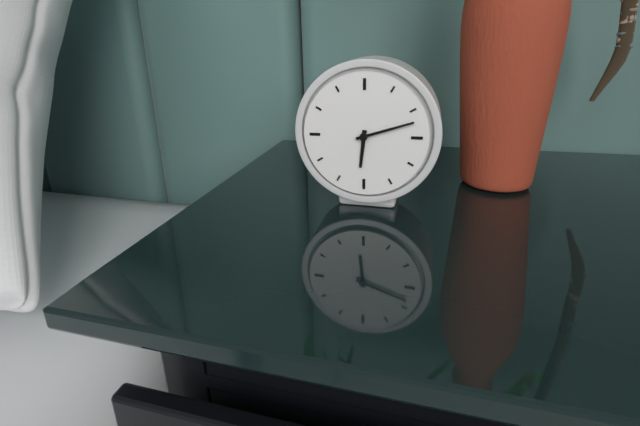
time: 6:12
